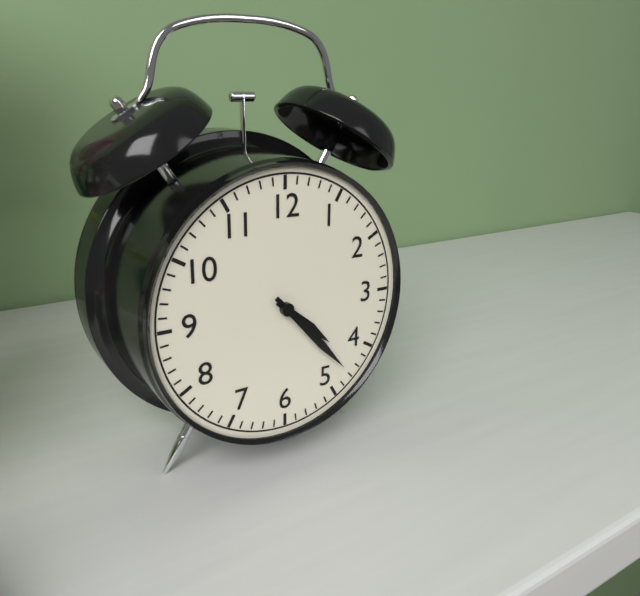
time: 4:23
